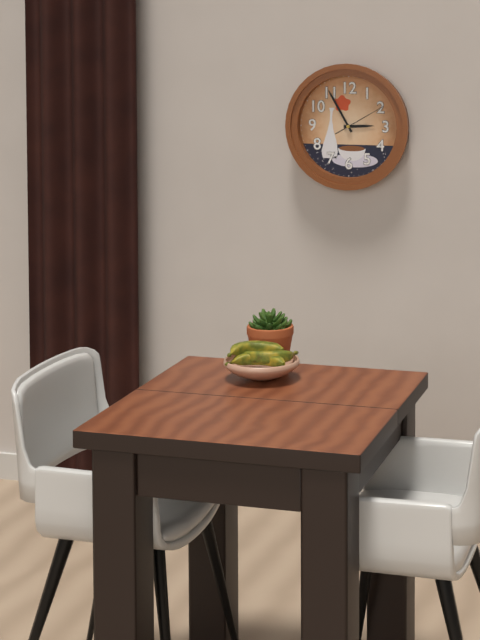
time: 2:55:10
